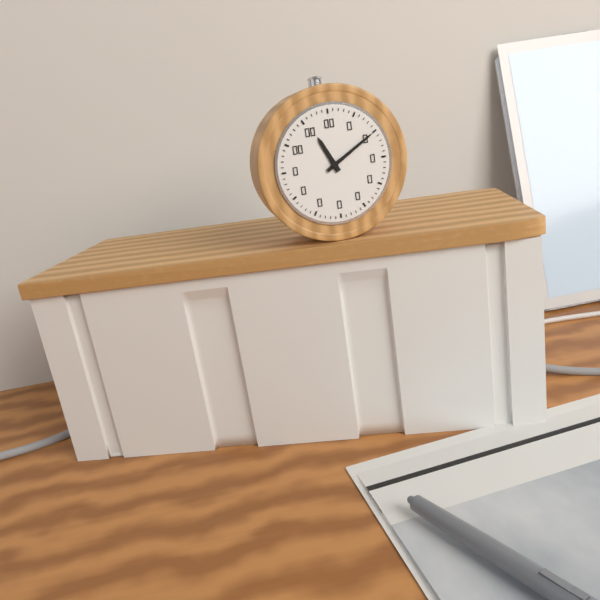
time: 11:10
